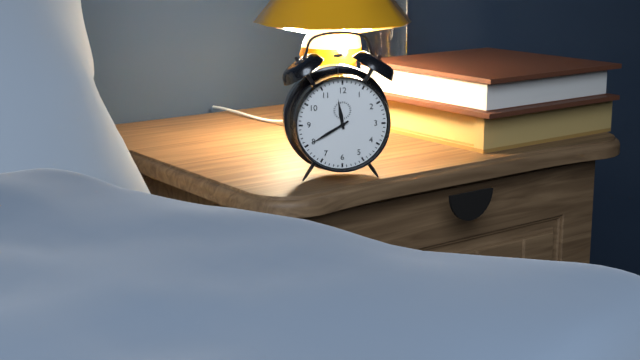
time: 11:40
